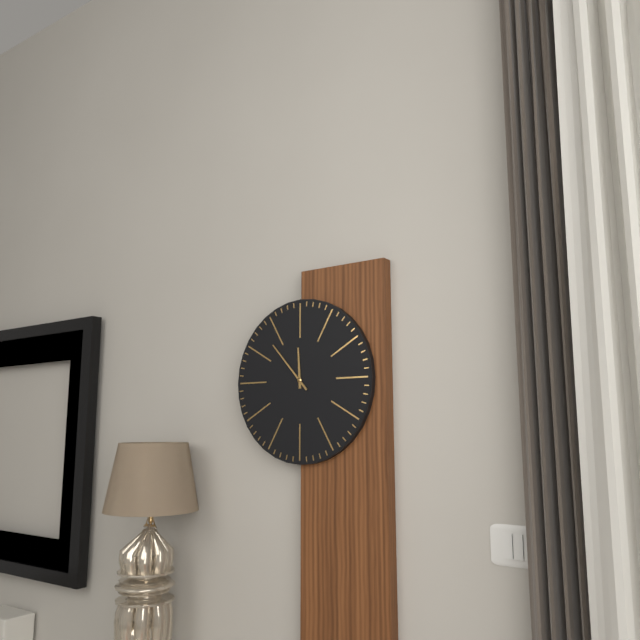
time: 11:53
